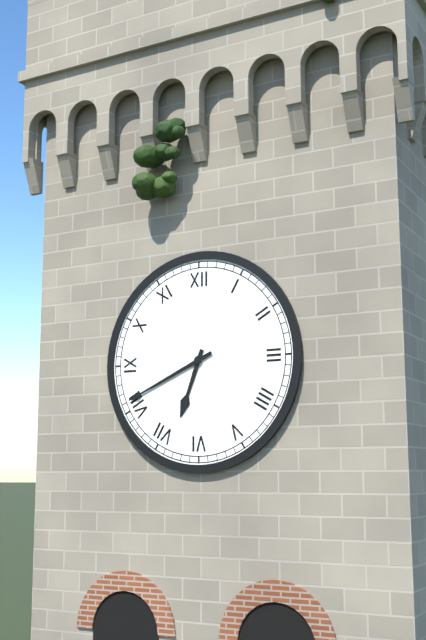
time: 6:41
